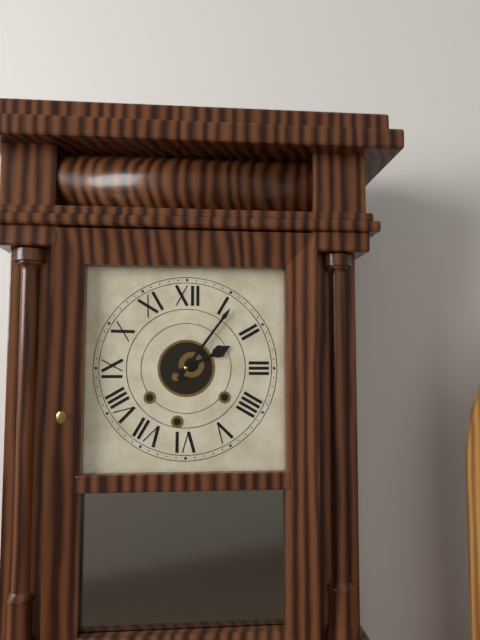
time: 2:06
